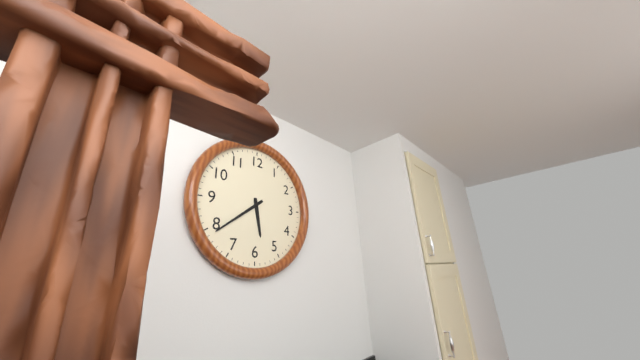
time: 5:39
